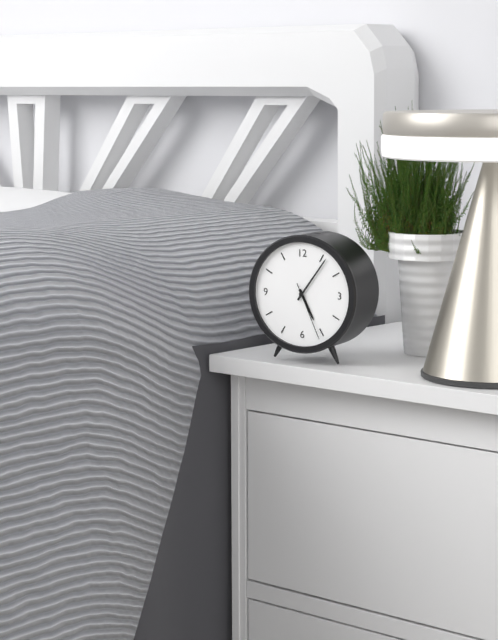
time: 5:06:26
